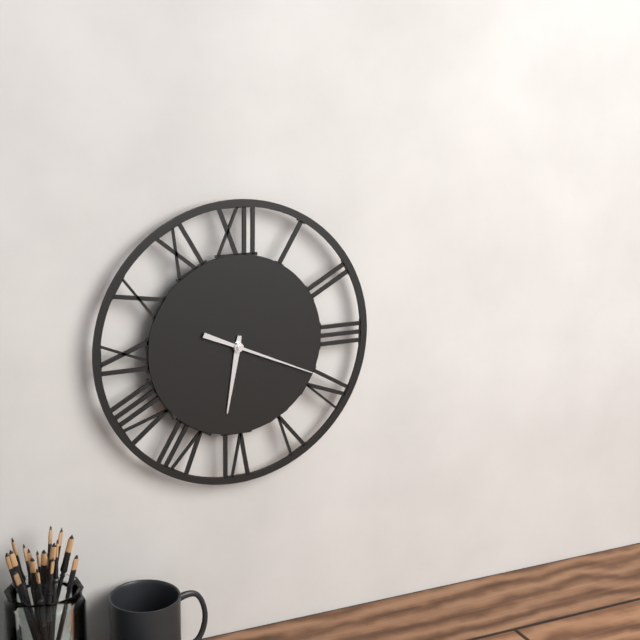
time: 6:19
